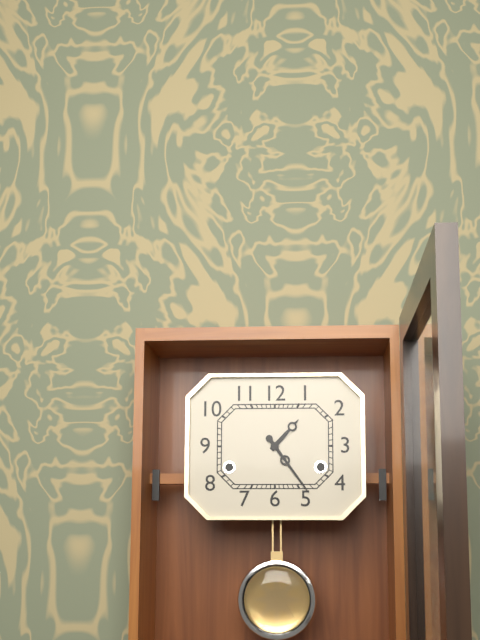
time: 1:24
